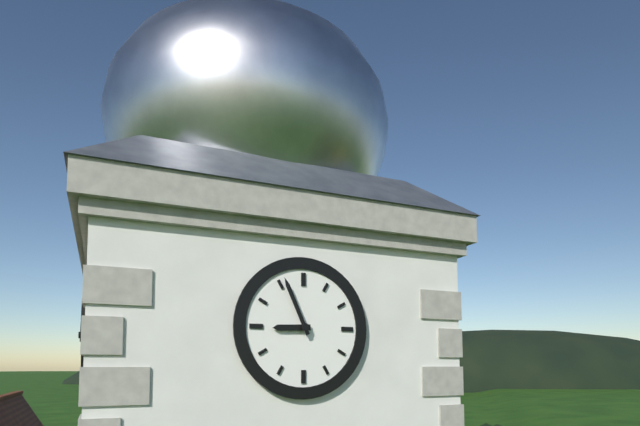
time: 8:56
